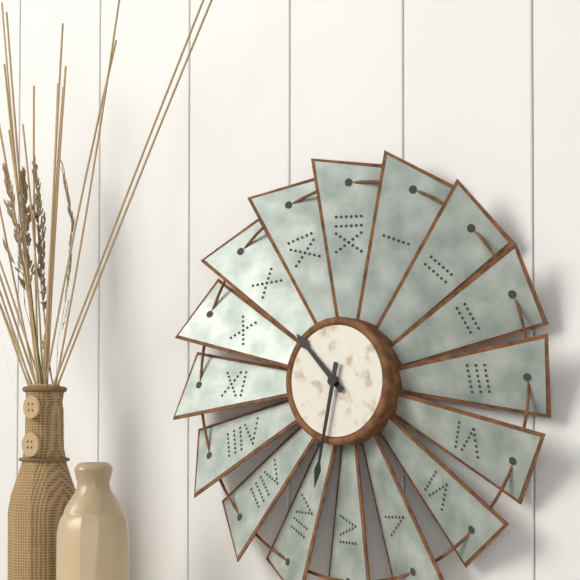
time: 10:32
